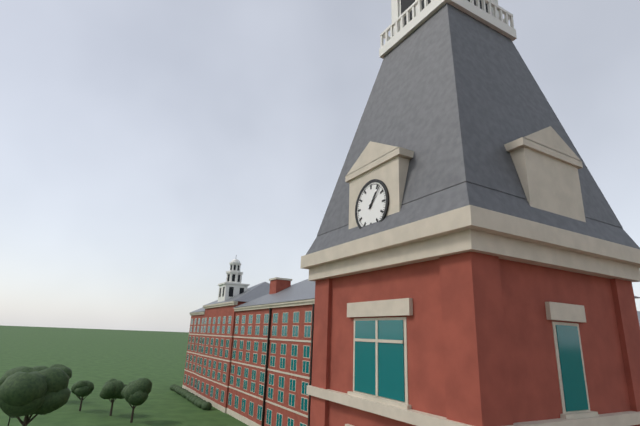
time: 1:07
